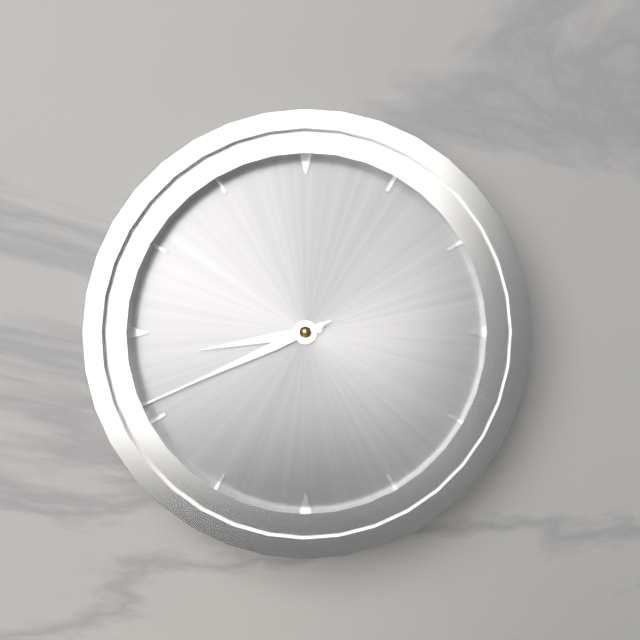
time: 8:41:41
